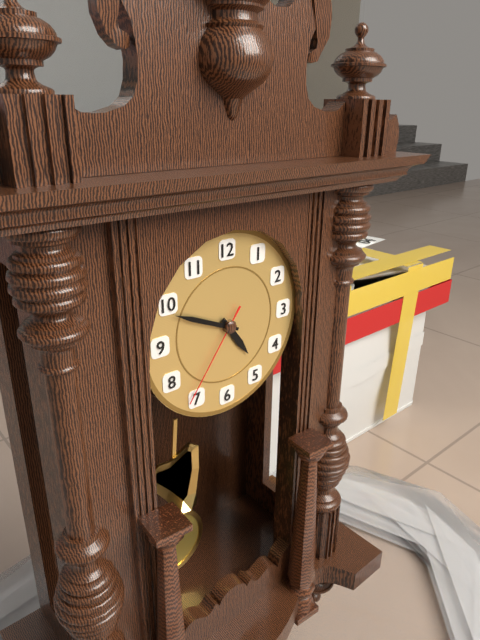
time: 4:49:36
